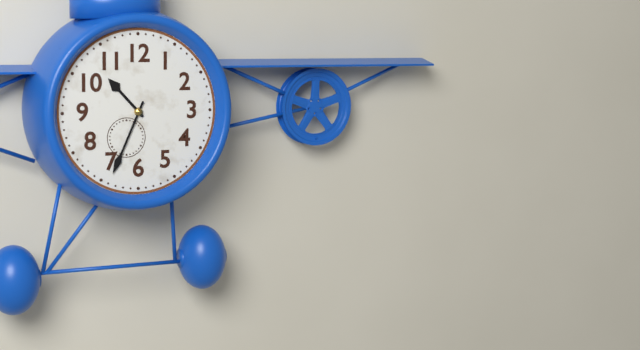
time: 10:34
